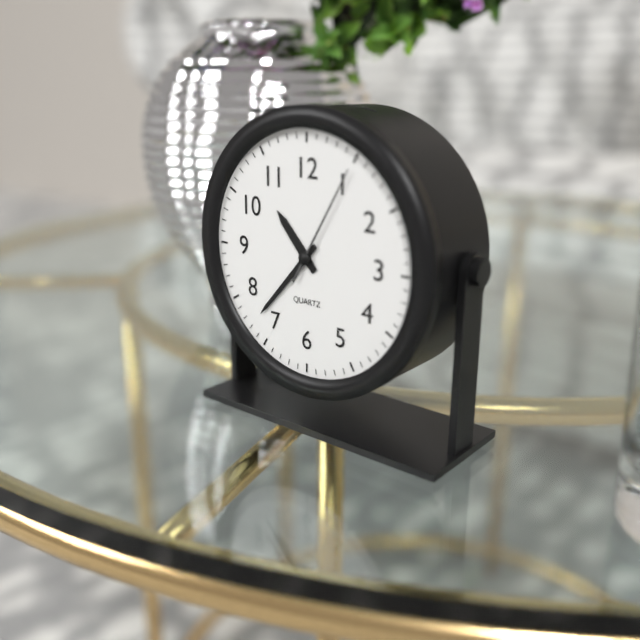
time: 10:37:05
